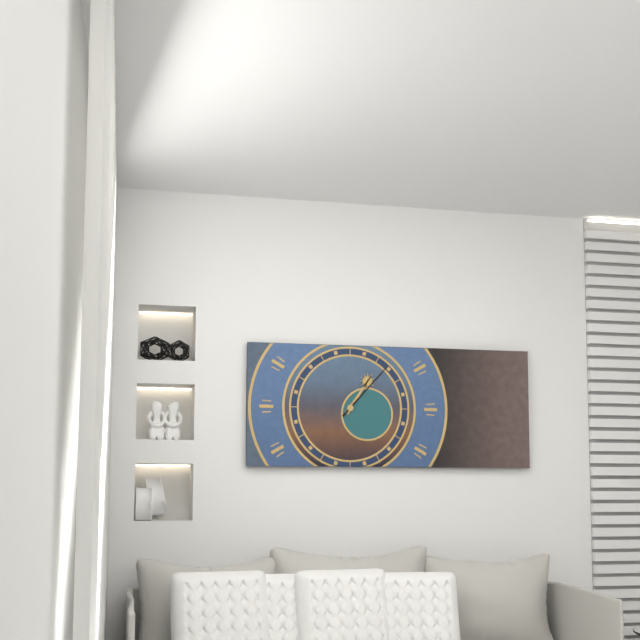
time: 1:07
